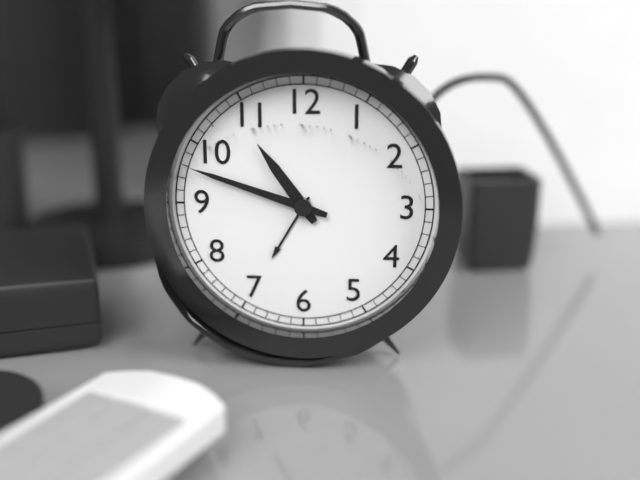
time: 10:48
